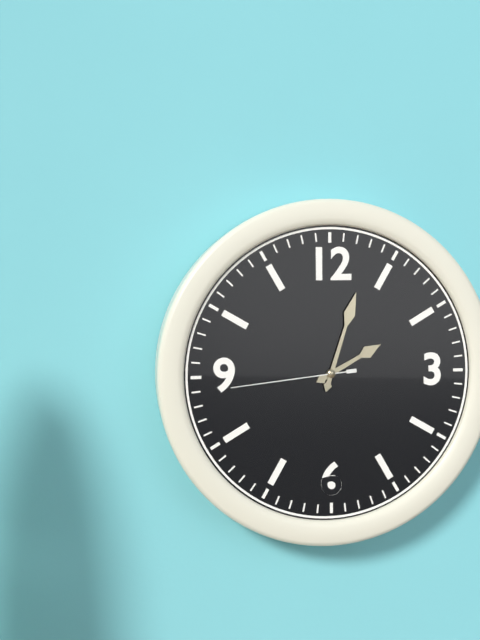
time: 2:03:44
